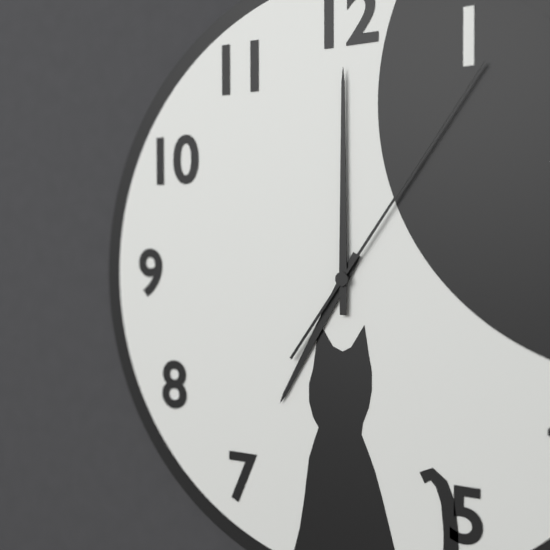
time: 7:00:06
